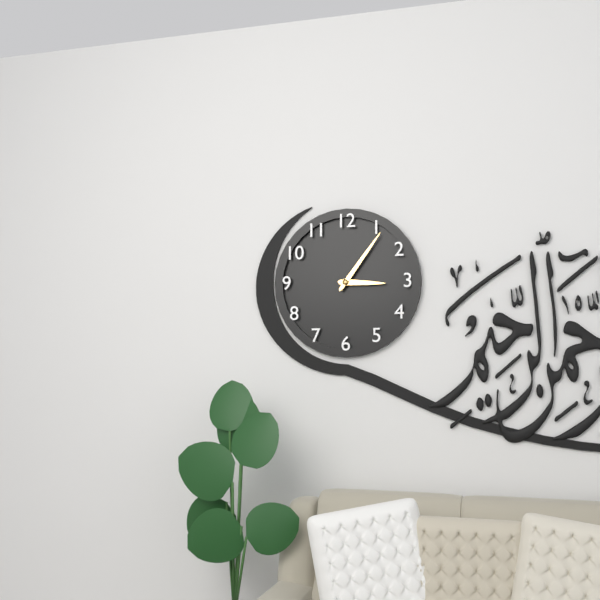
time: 3:06
